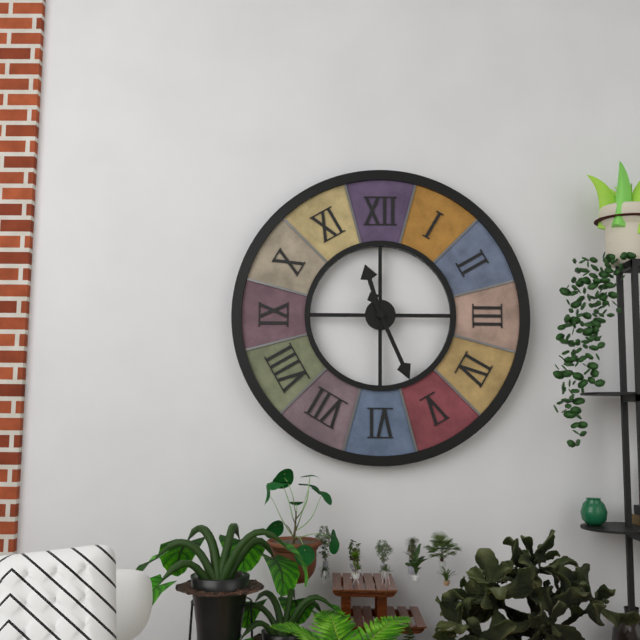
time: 11:26
